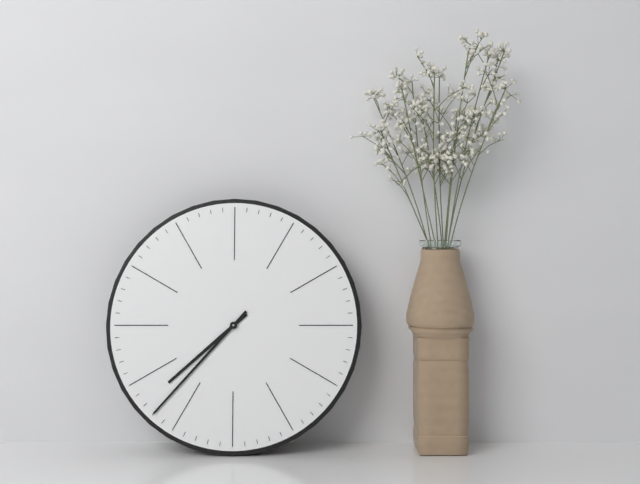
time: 7:37
